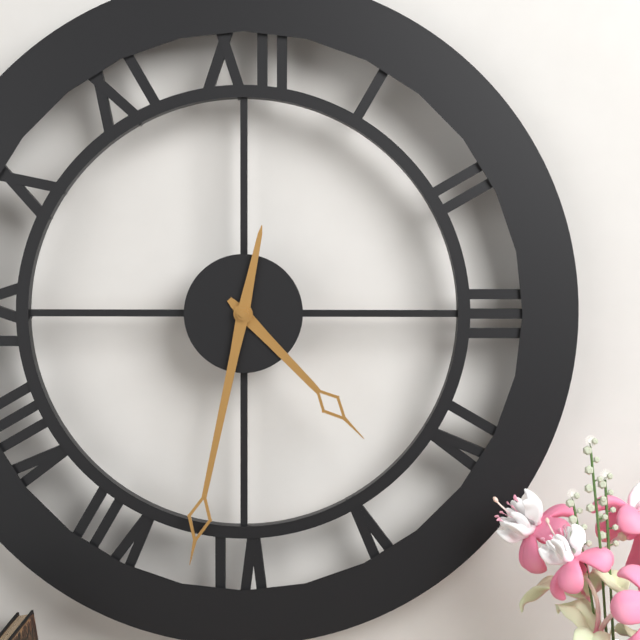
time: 4:32
